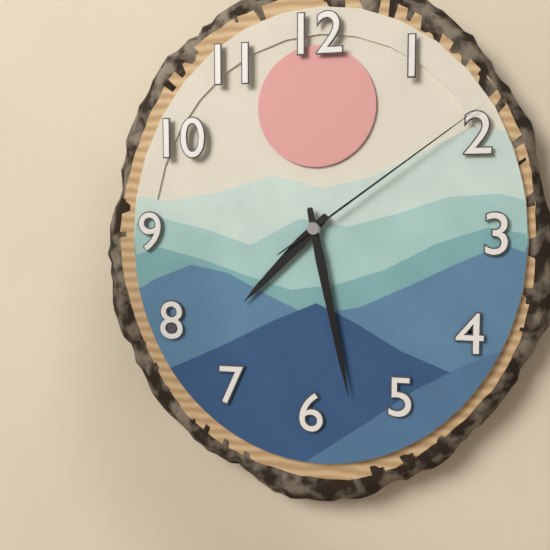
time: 7:28:09
